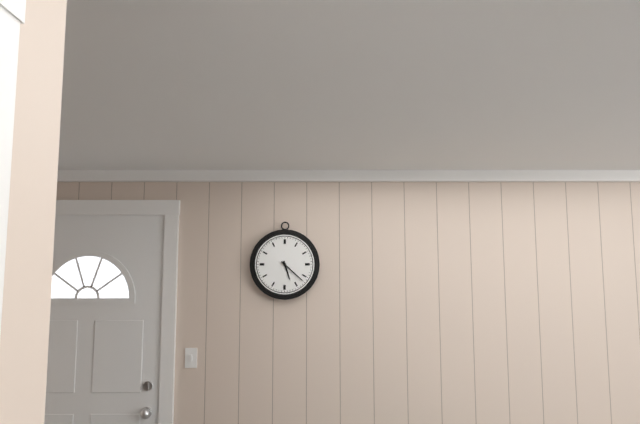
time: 5:22
